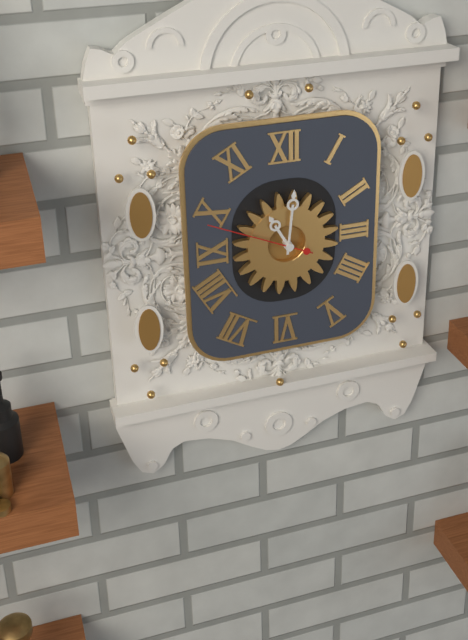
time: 11:01:49
